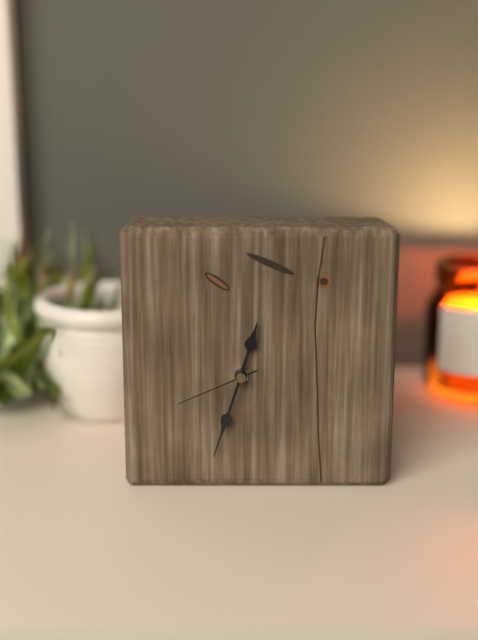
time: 12:33:41
